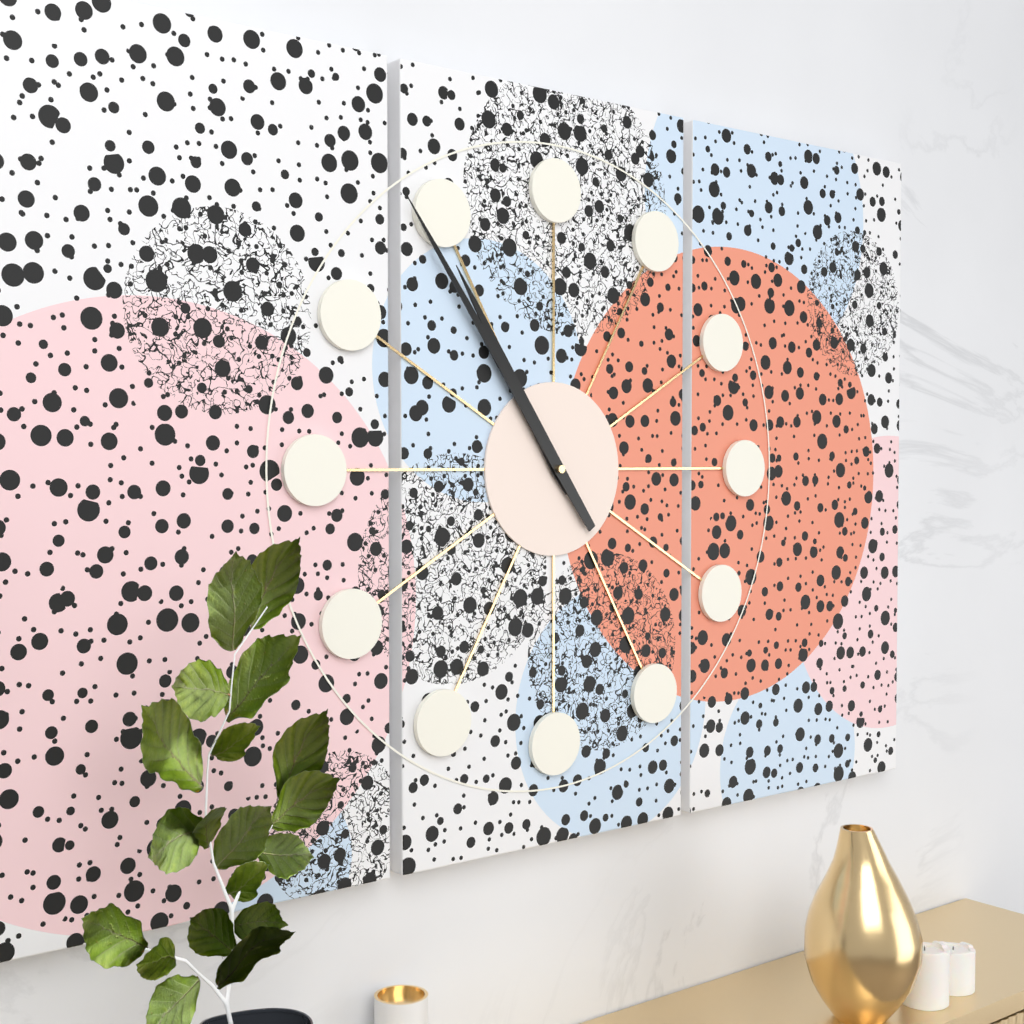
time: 10:54
